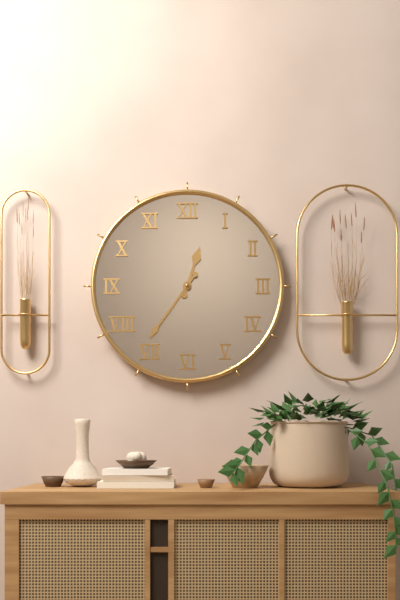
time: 12:36
